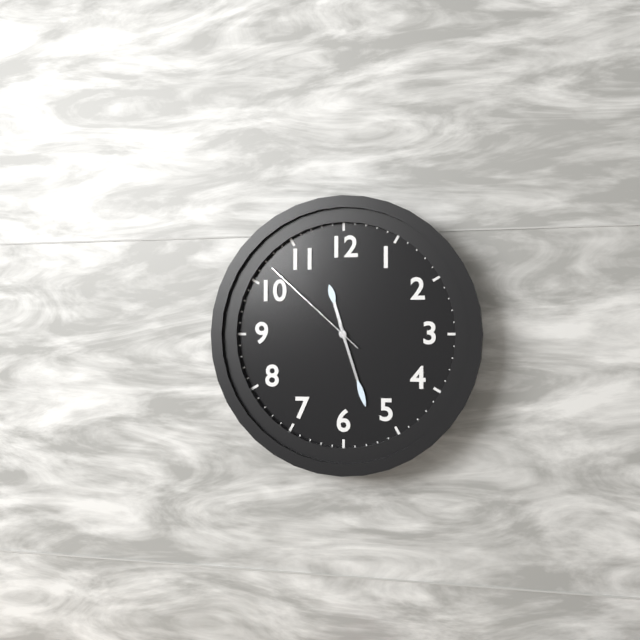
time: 11:27:52
